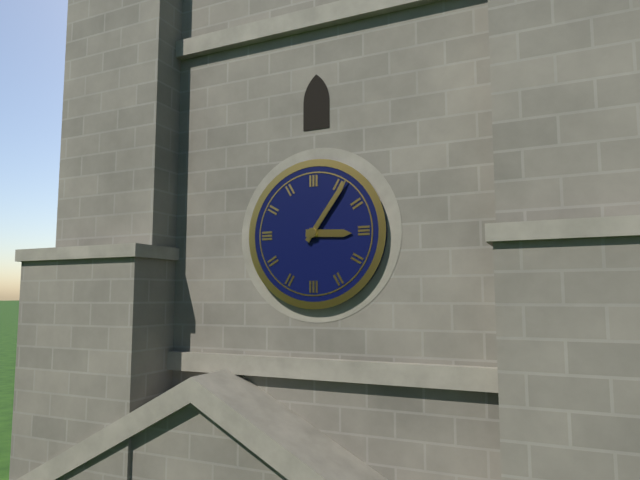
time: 3:06
